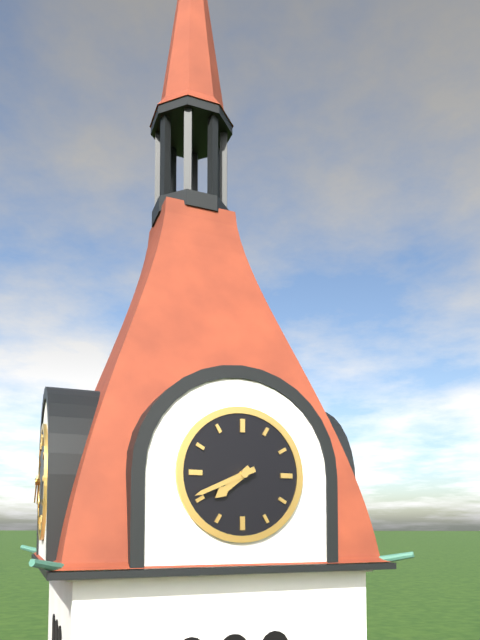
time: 7:41
